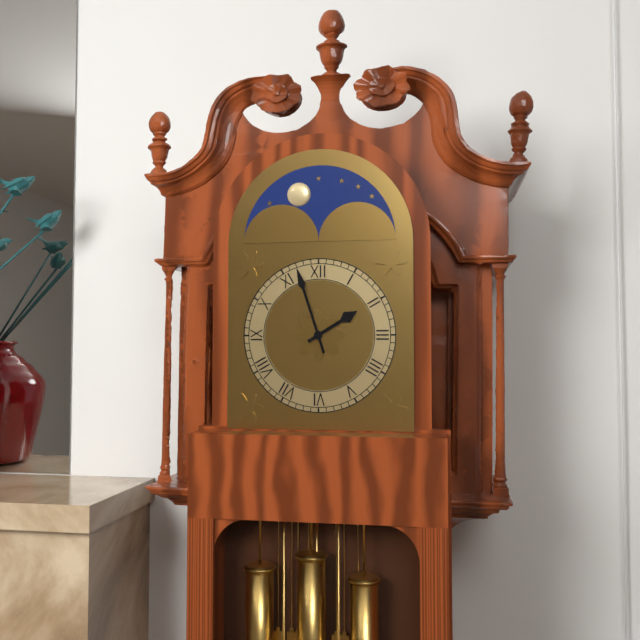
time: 1:57
